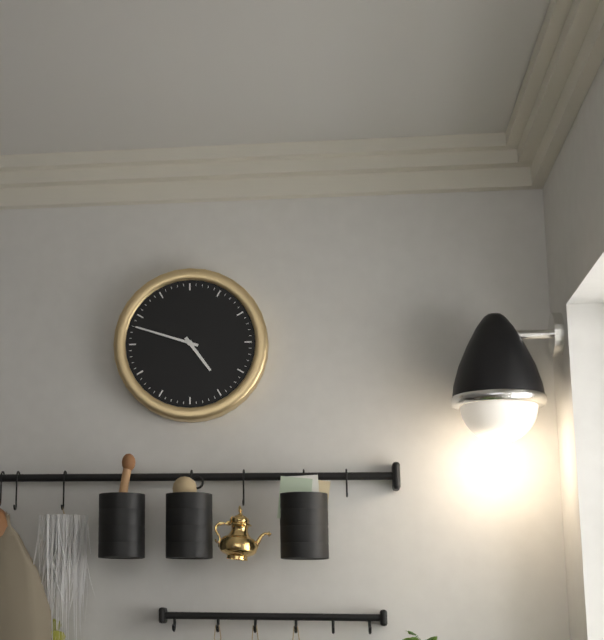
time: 4:48
